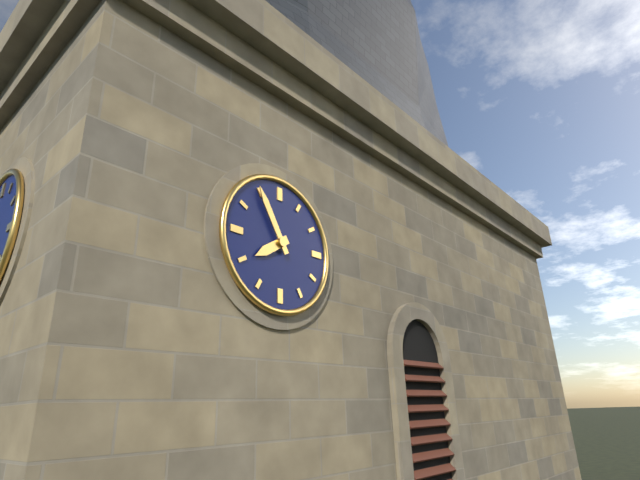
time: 7:55
